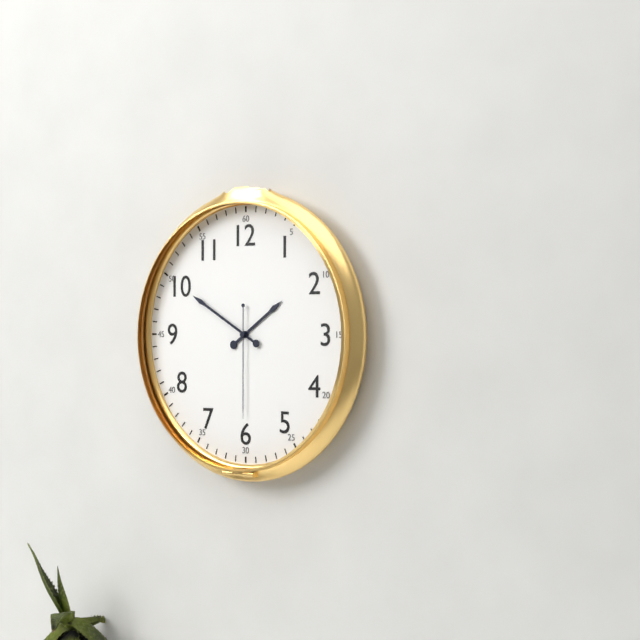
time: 1:50:30
